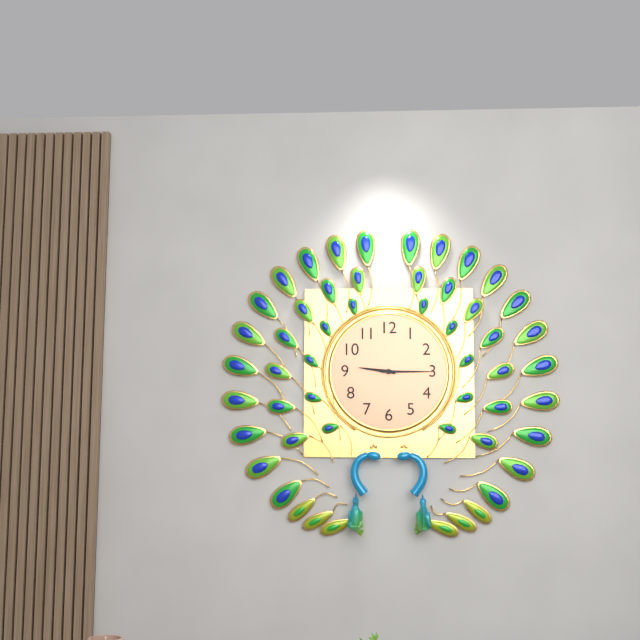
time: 9:15
